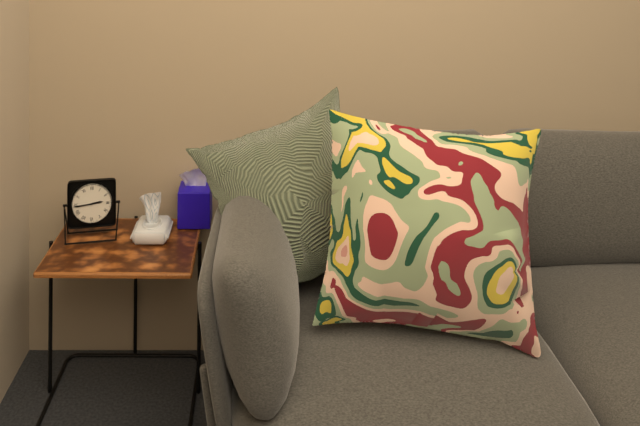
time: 2:44
